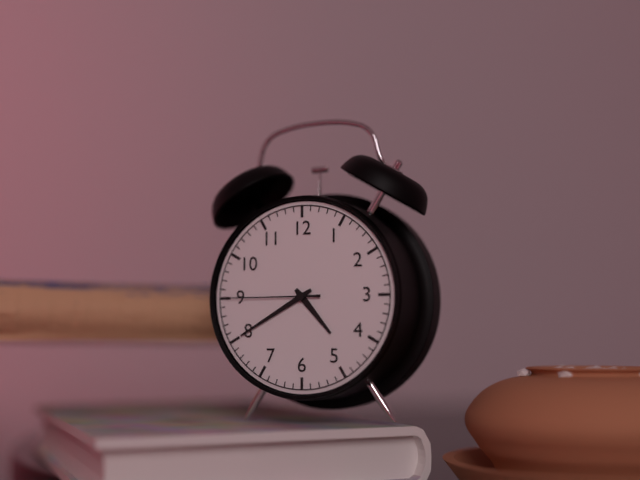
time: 4:40:45
